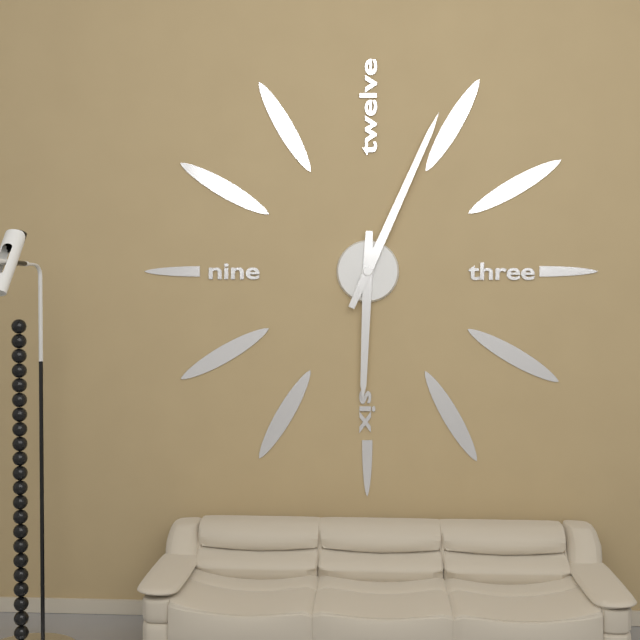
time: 6:04
